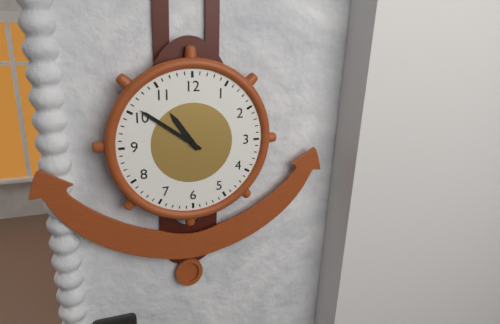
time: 10:51
